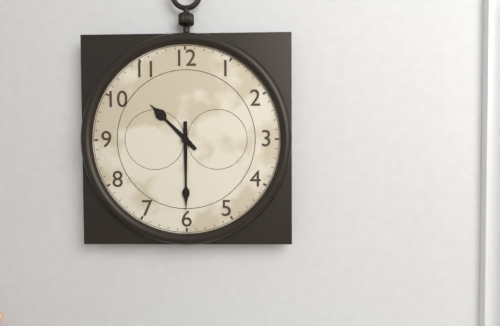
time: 10:30
